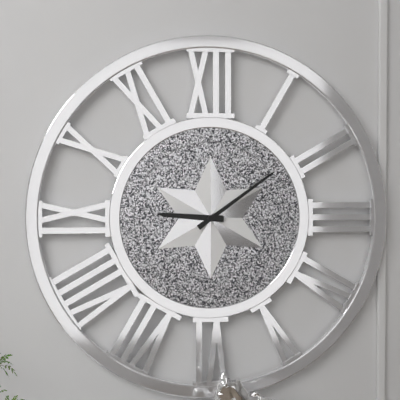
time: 9:09
